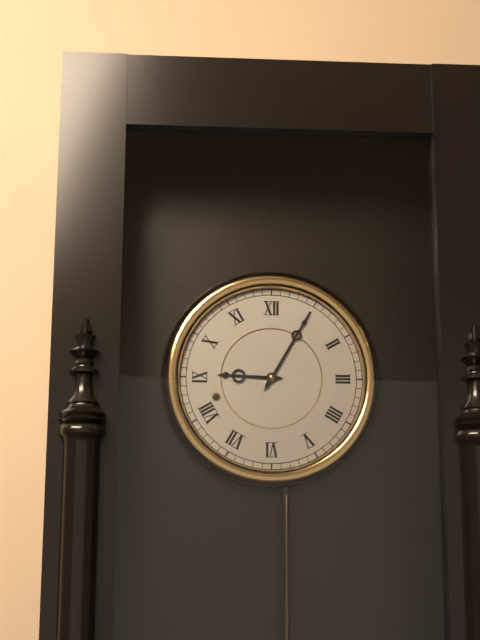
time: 9:05
